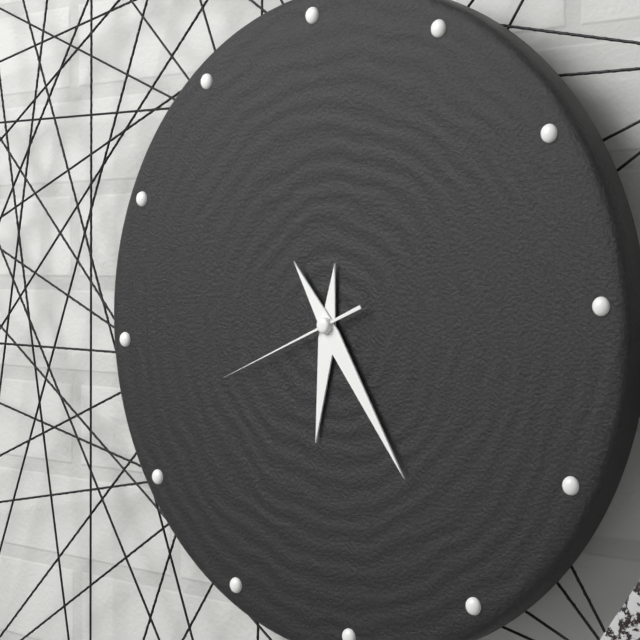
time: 6:25:42
